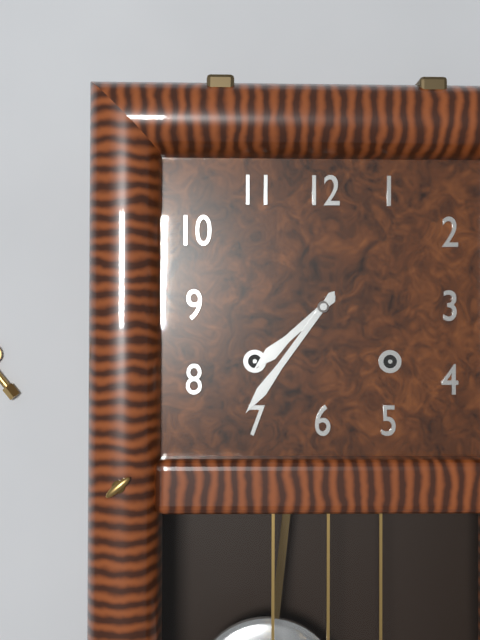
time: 7:36
